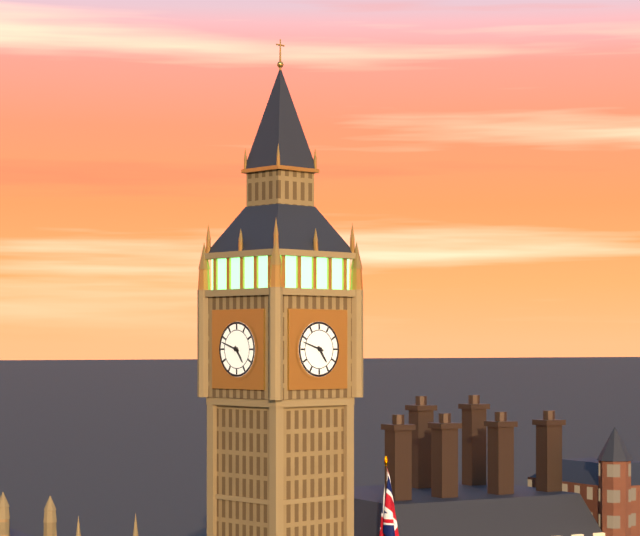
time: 4:48
